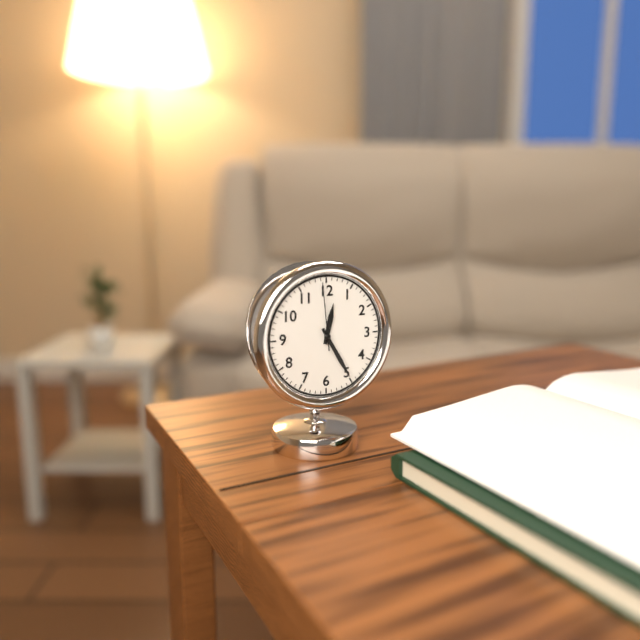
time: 12:25:59
